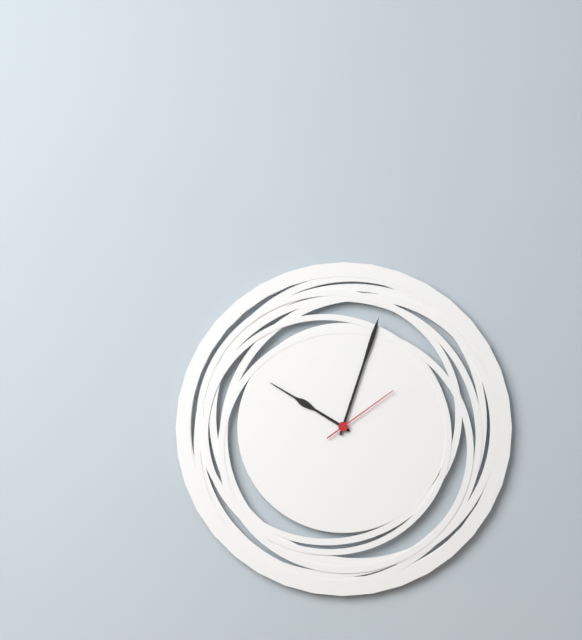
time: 10:03:09
